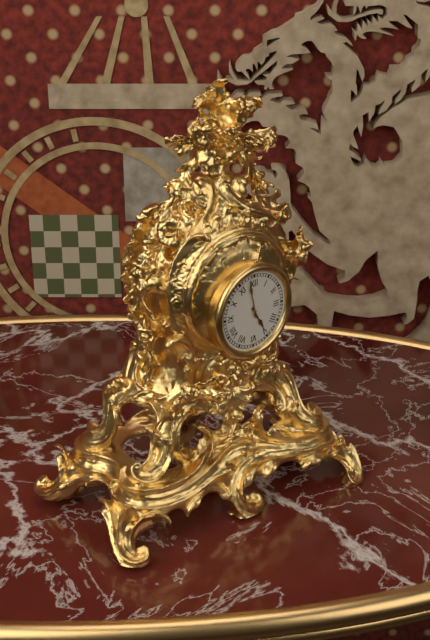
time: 4:58
